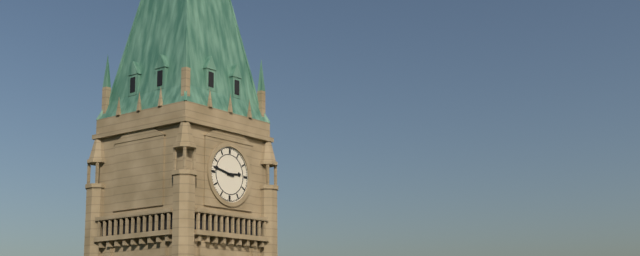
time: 2:47
